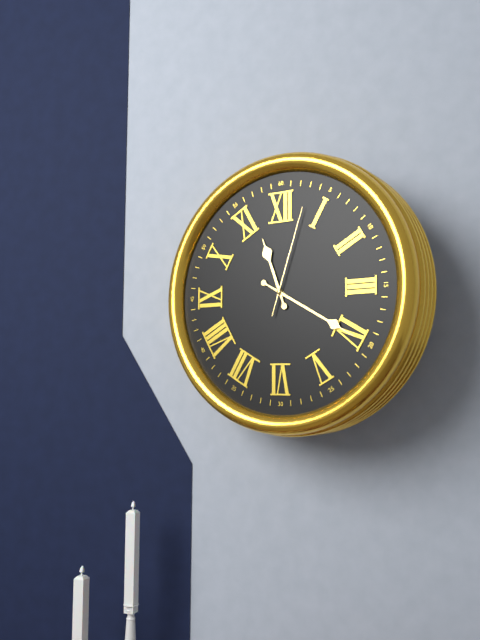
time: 11:20:03
